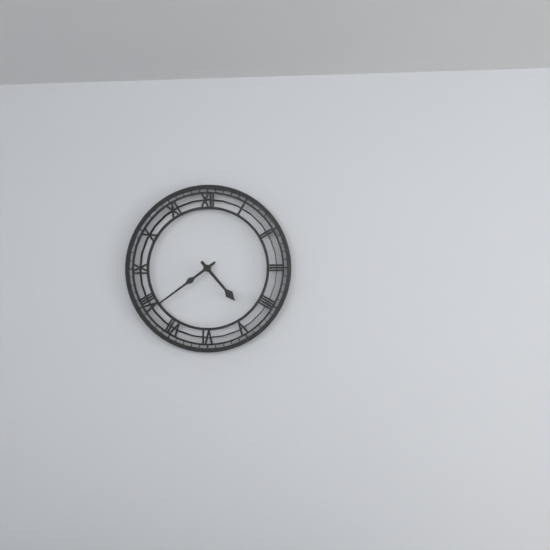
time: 4:39
